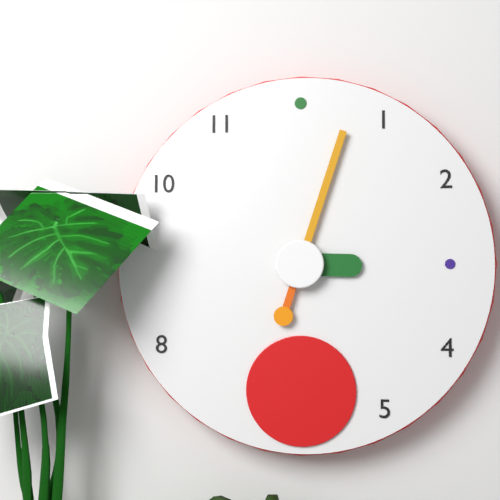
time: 3:03
